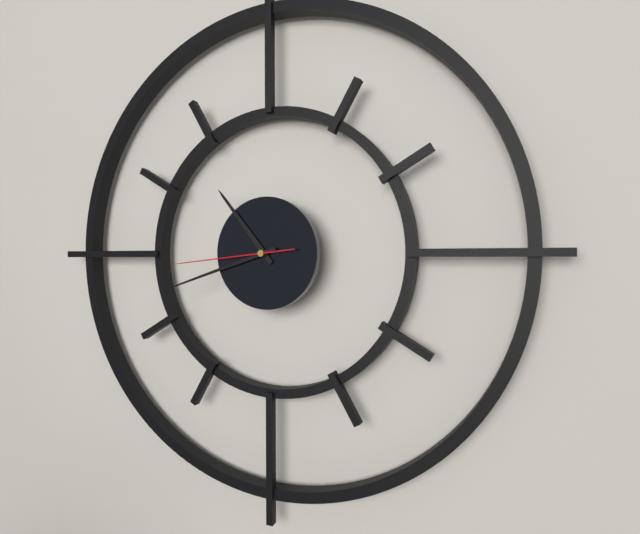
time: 10:42:44
